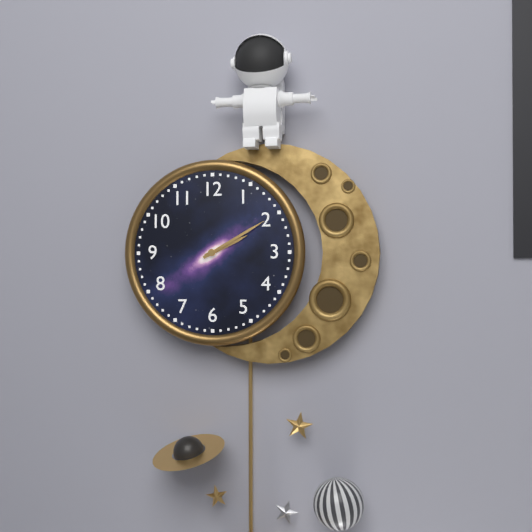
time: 2:10
